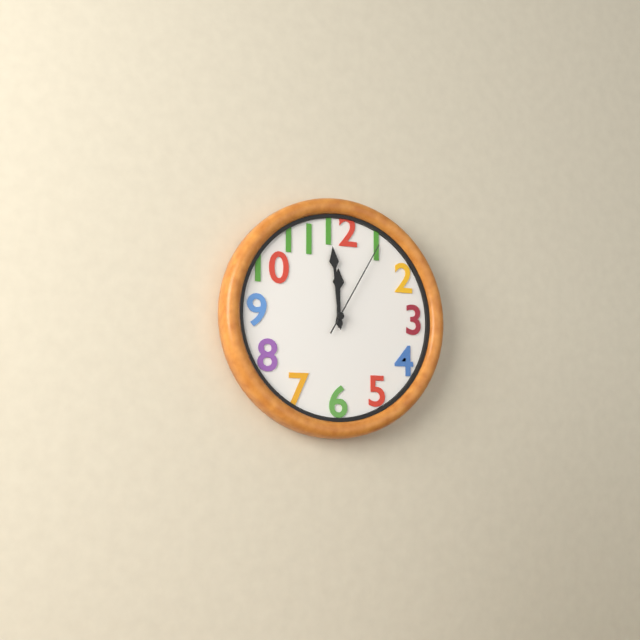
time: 11:59:05
